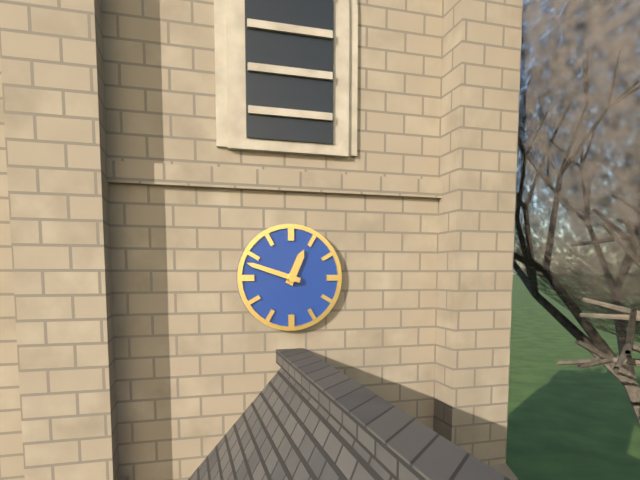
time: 12:48
